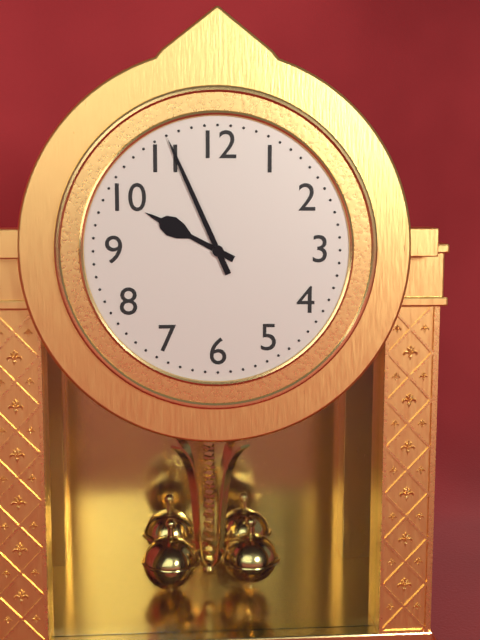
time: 9:56
